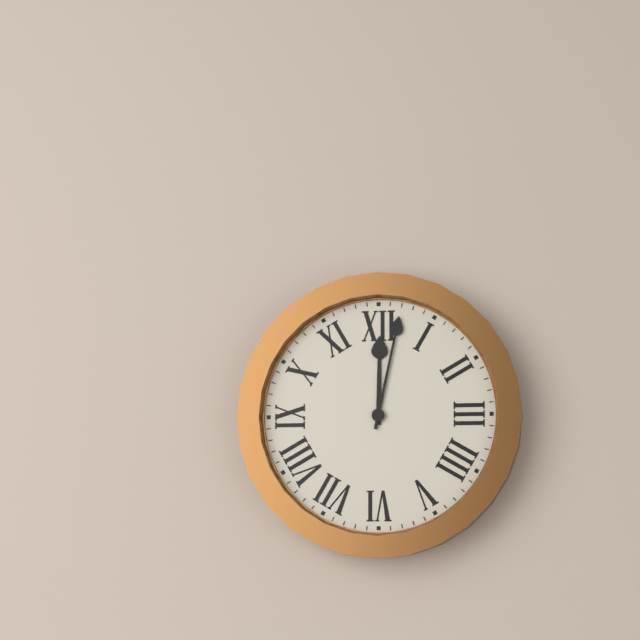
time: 12:02
